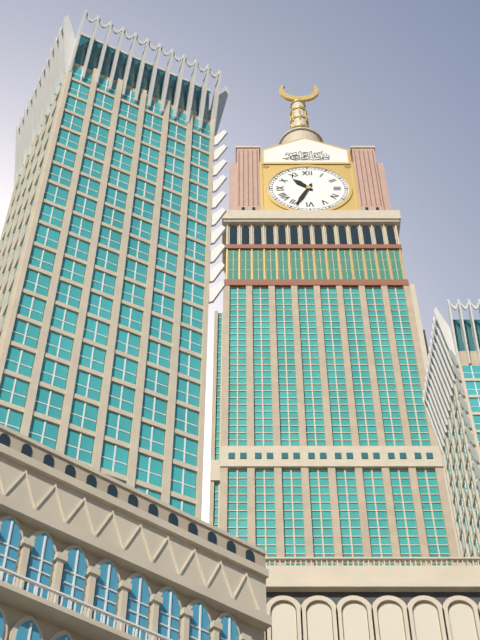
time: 10:34
